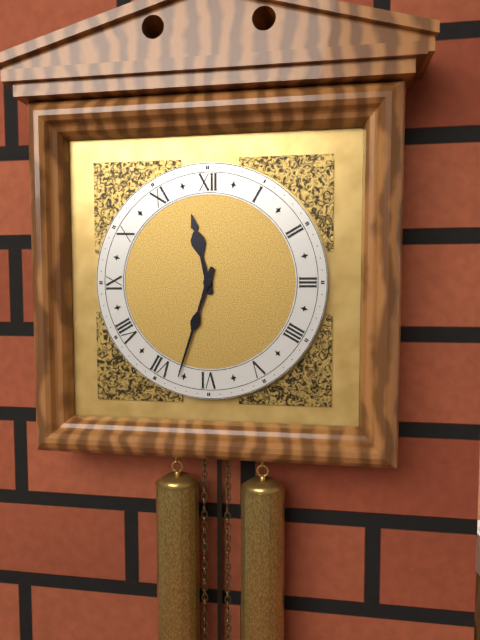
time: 11:33
